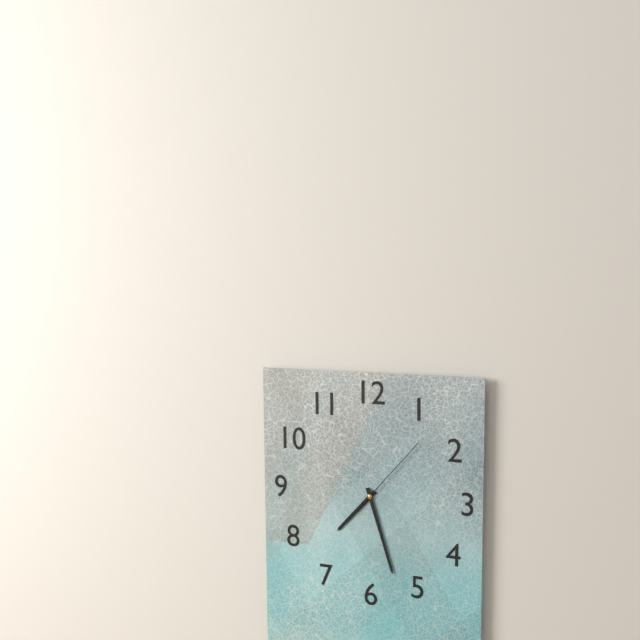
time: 7:27:07
